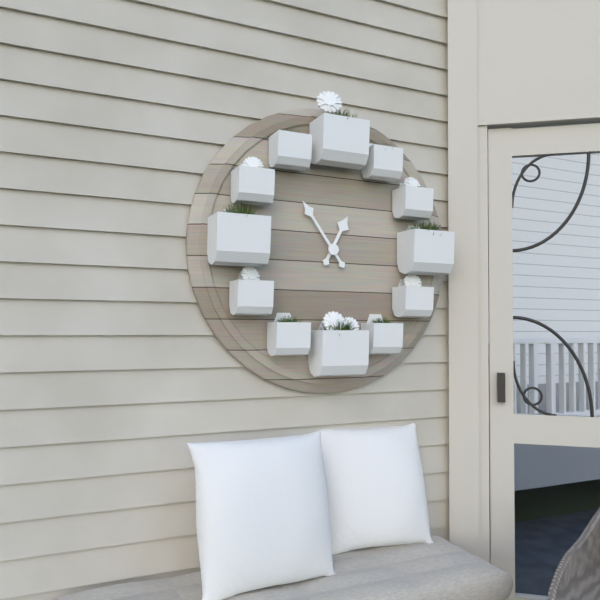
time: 12:54
